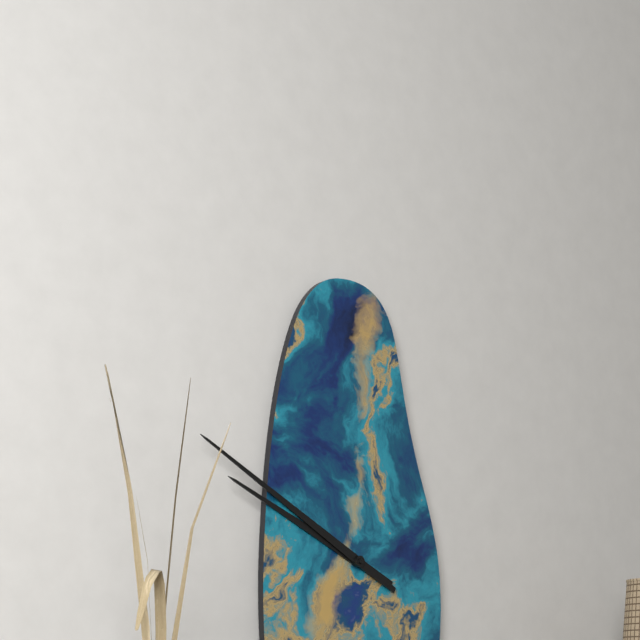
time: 9:50
